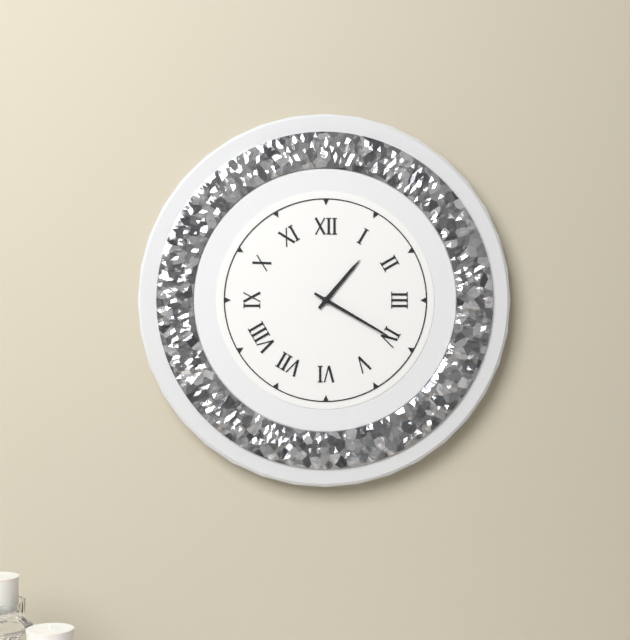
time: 1:20
